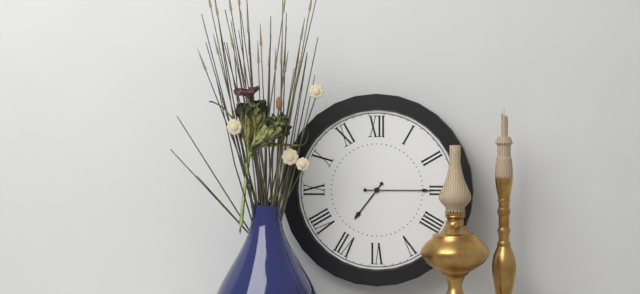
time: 7:15
